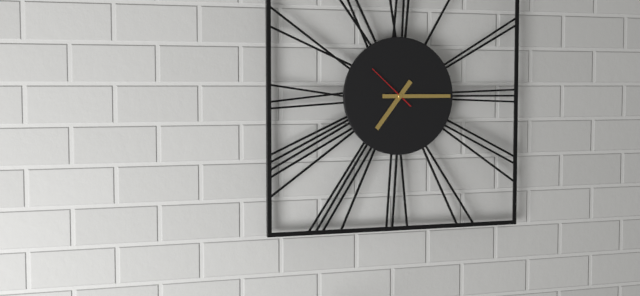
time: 7:15
